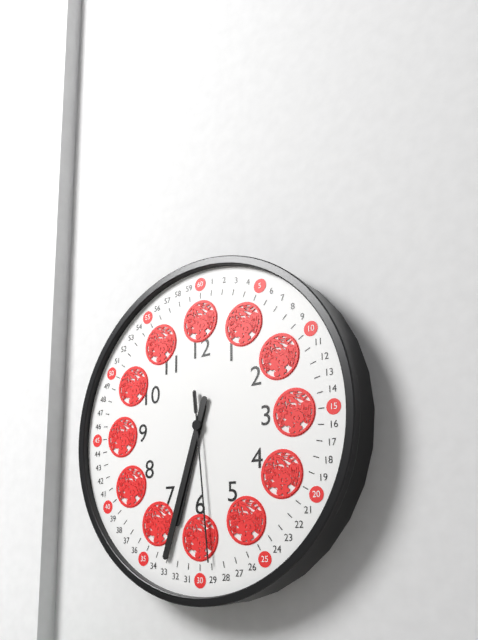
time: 6:33:29
